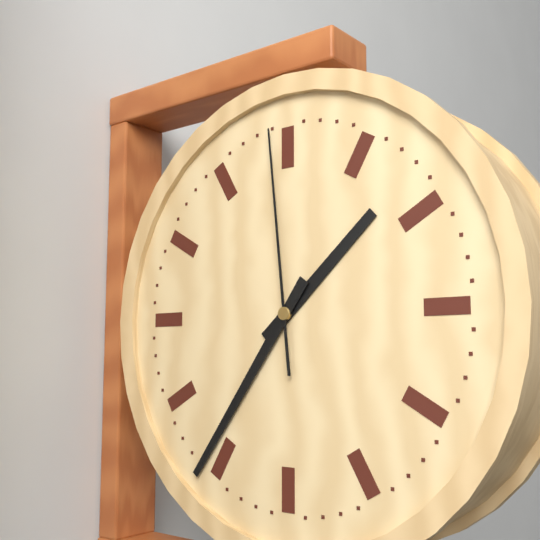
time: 1:36:59
